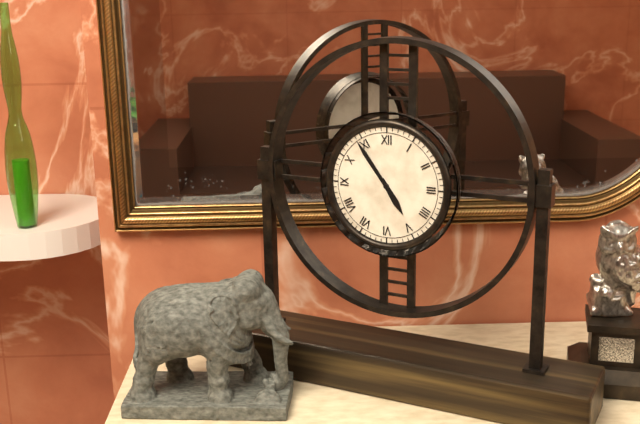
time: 4:54
